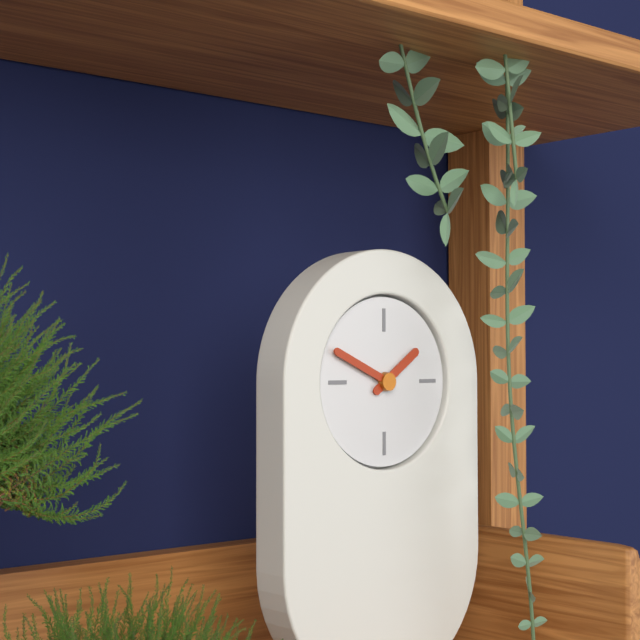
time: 1:49
